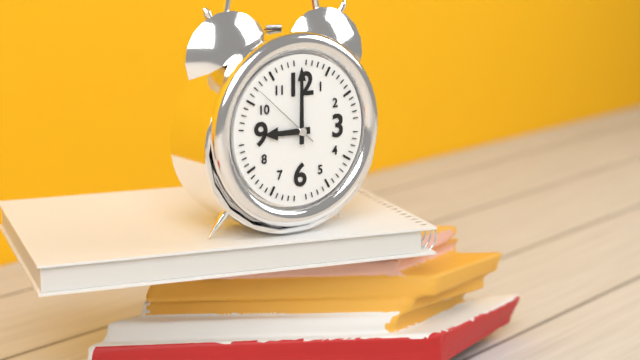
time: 9:00:52
